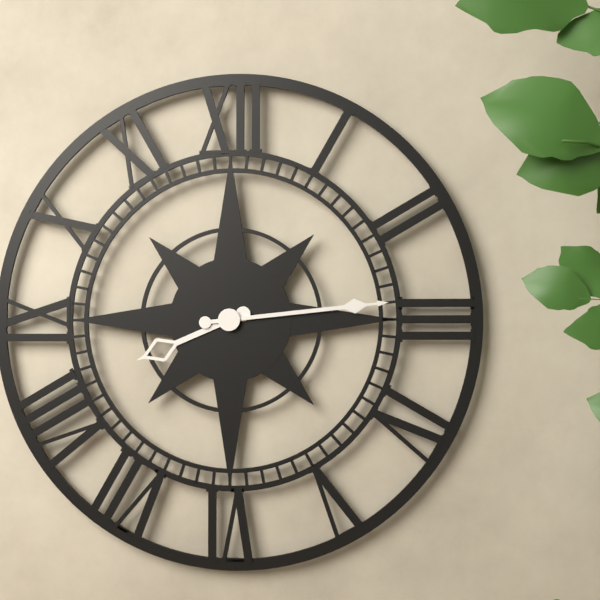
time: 8:14
